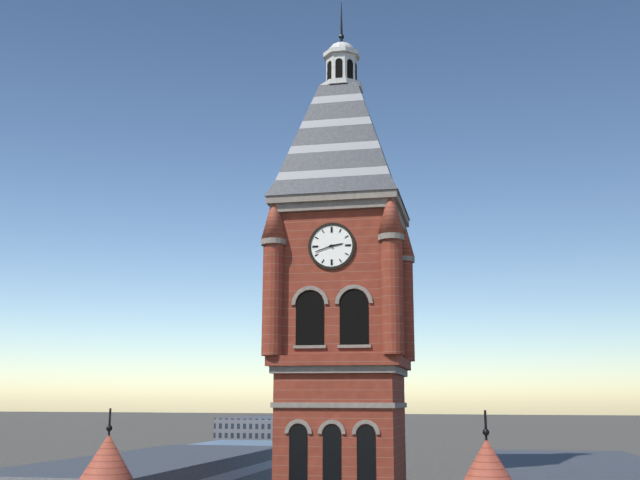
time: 2:42
